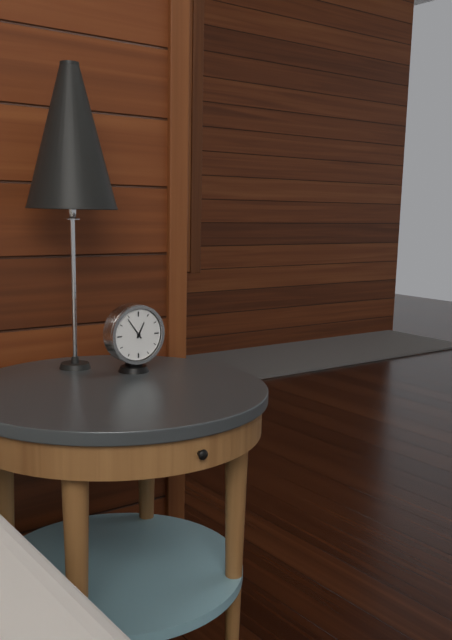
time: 12:54
